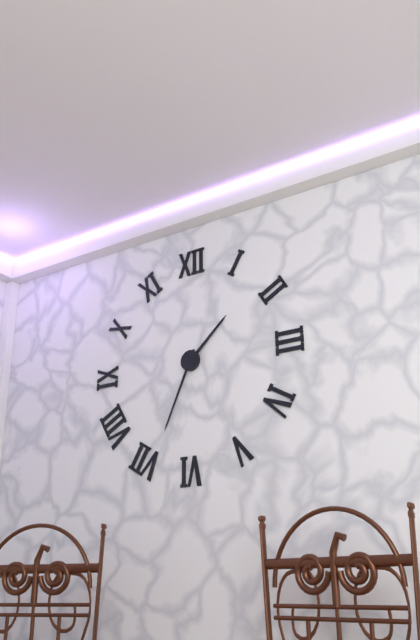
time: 1:34
